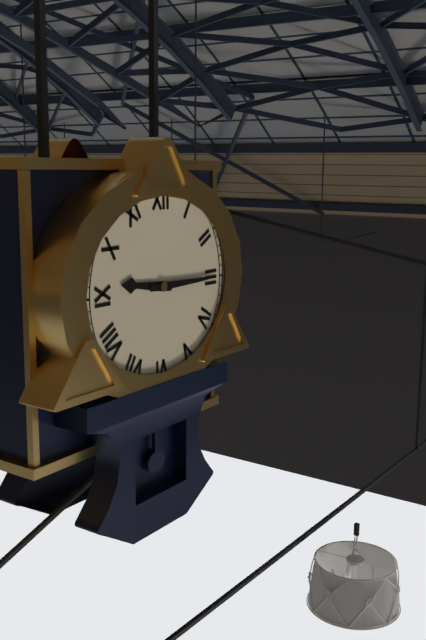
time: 9:15
